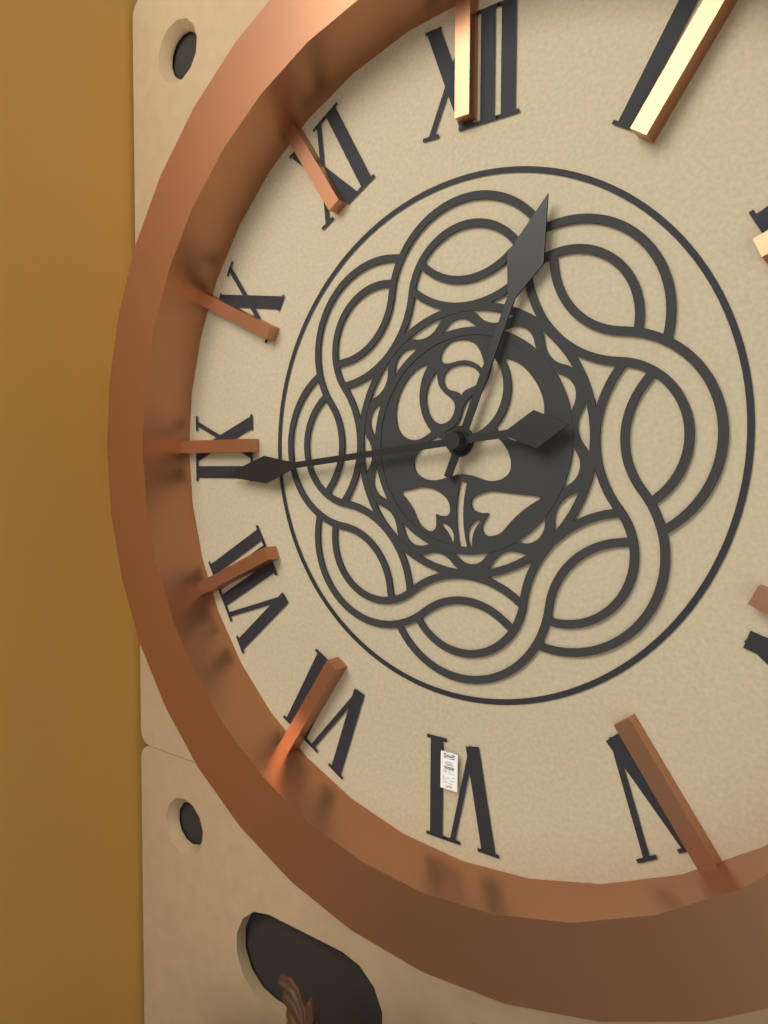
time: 12:44
